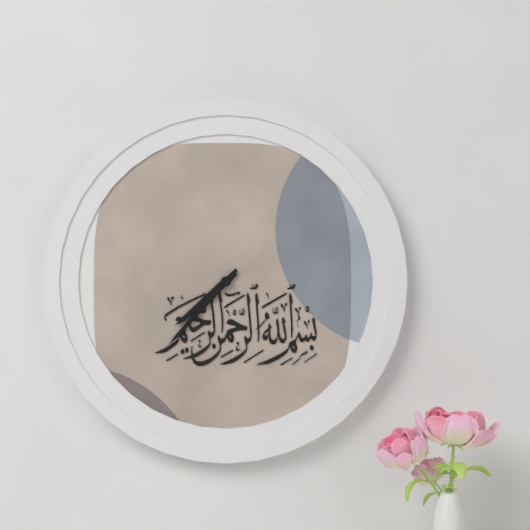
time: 7:37
